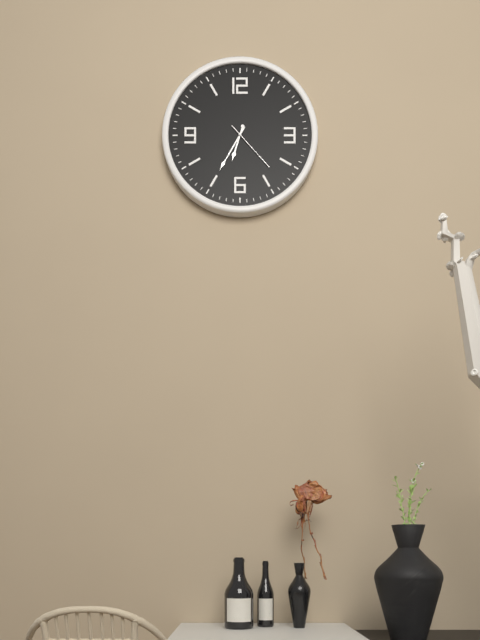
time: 6:35:23
